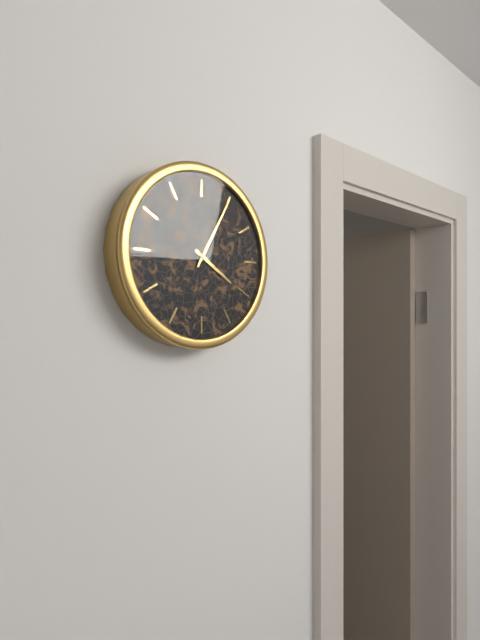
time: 4:05
